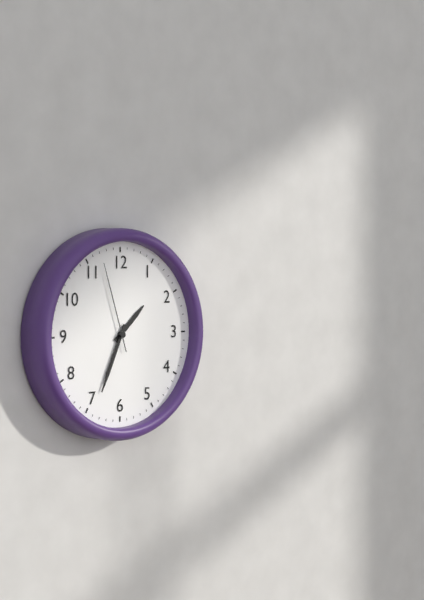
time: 1:34:57
